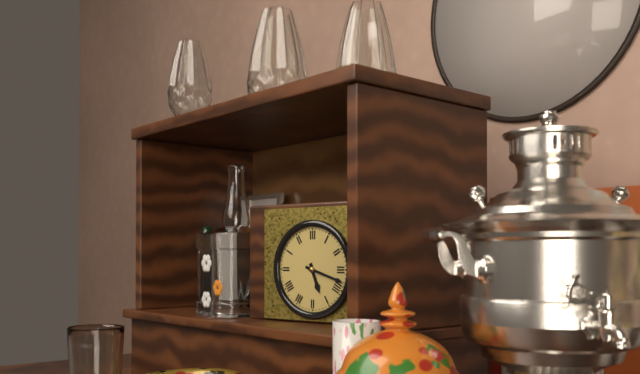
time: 5:18
